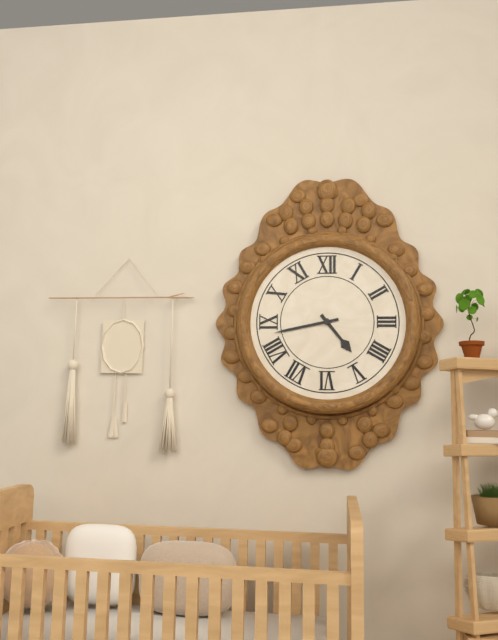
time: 4:43
